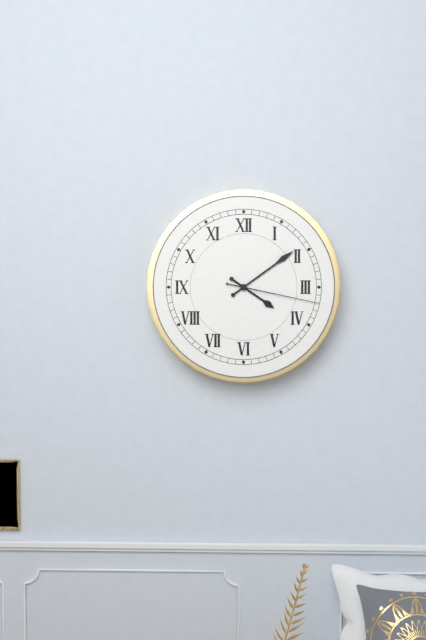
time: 4:09:17
